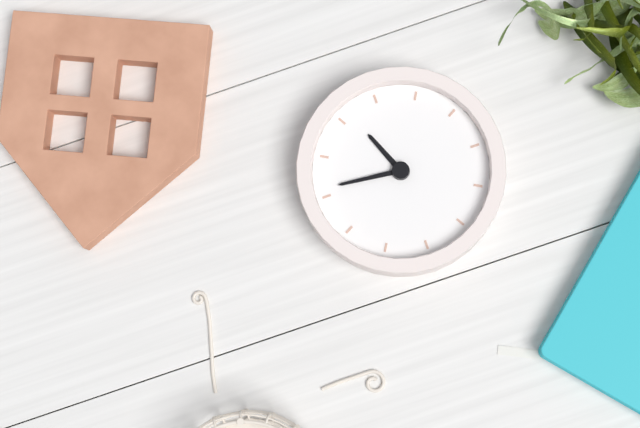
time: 5:16
